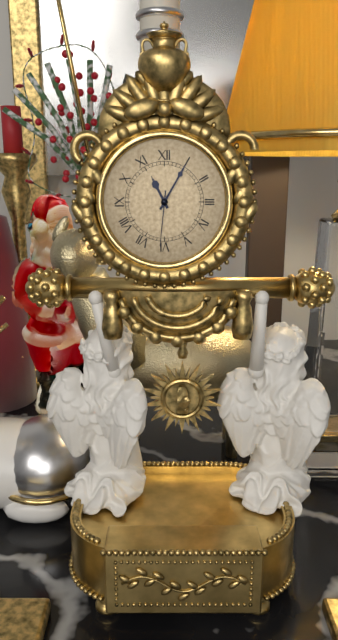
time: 11:05:31
